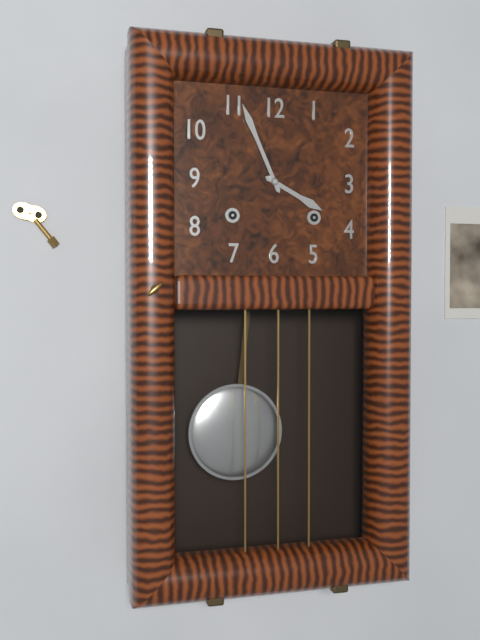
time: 3:56
